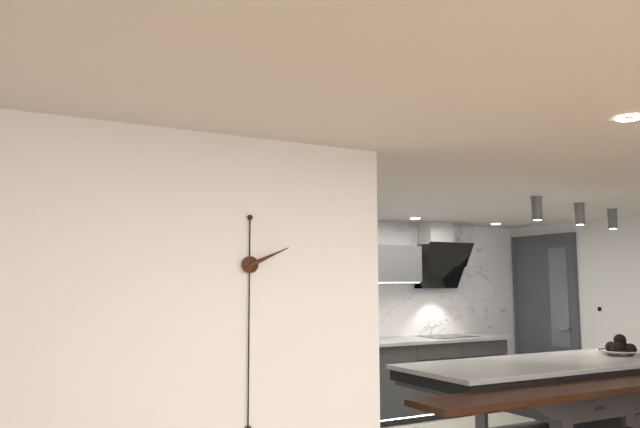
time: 2:11
